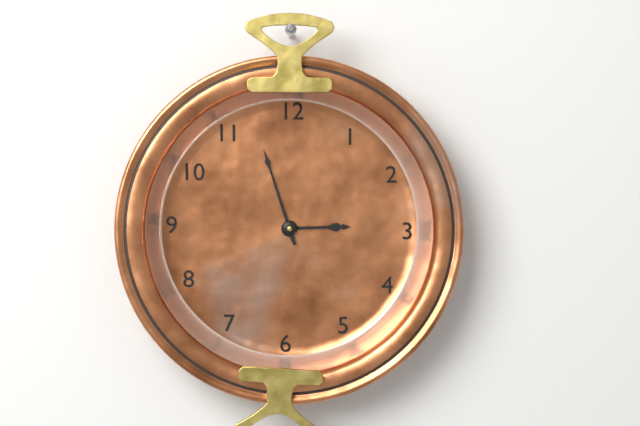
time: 2:57
